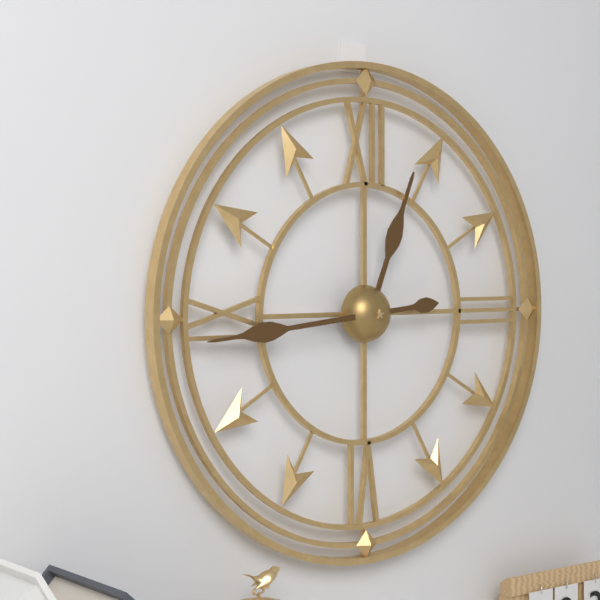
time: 12:44
